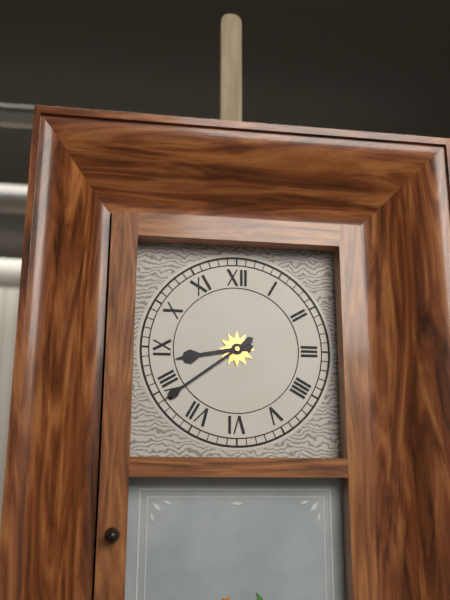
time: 8:39
